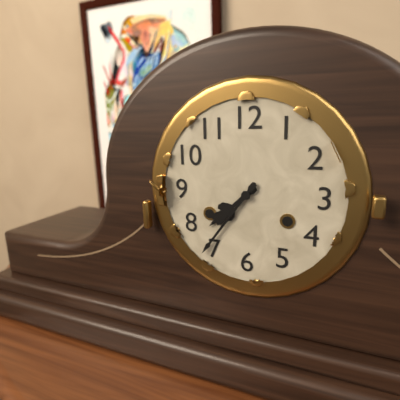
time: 7:36
